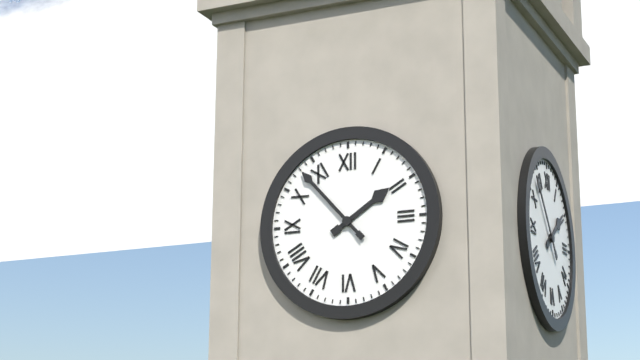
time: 1:53
